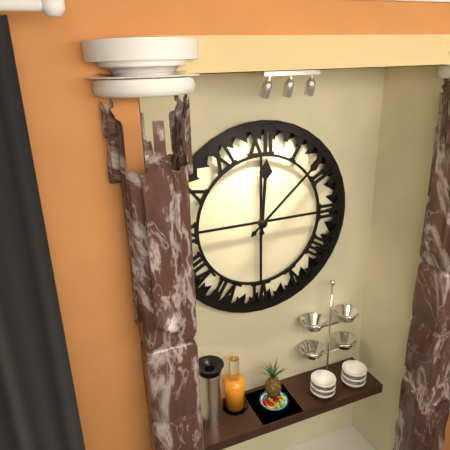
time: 12:08
